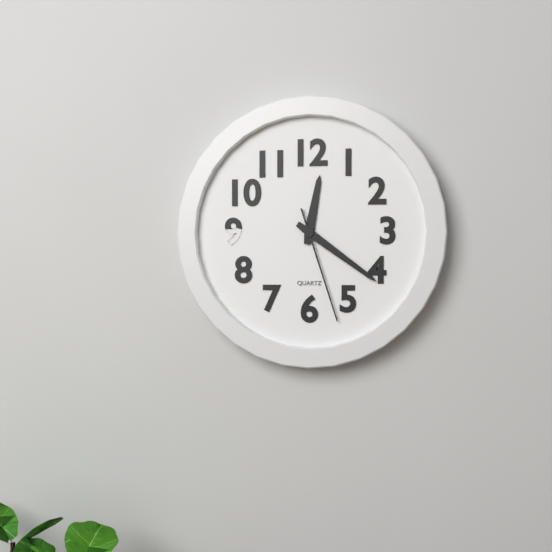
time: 12:21:27
